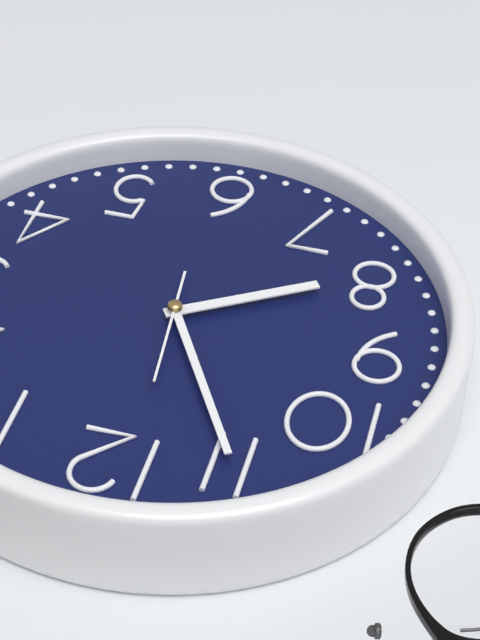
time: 7:55:59
